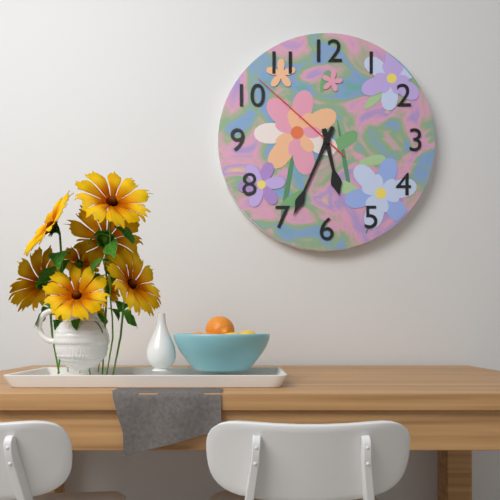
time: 5:34:52
